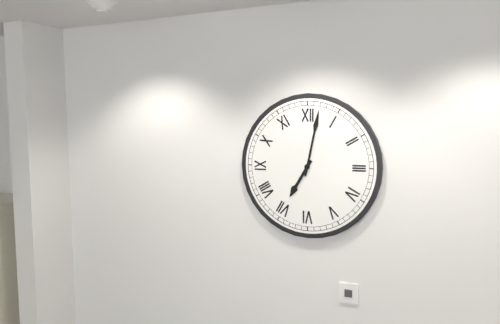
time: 7:02
